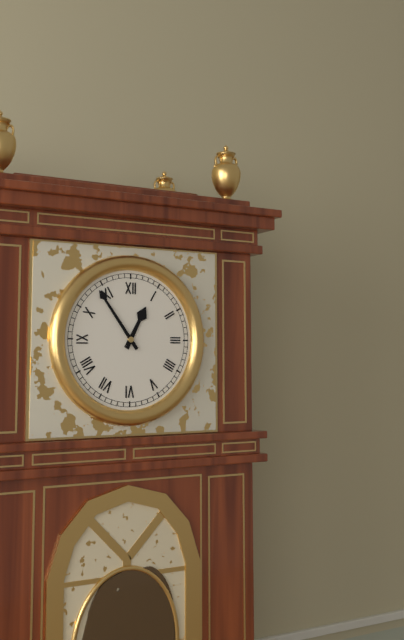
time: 12:54
